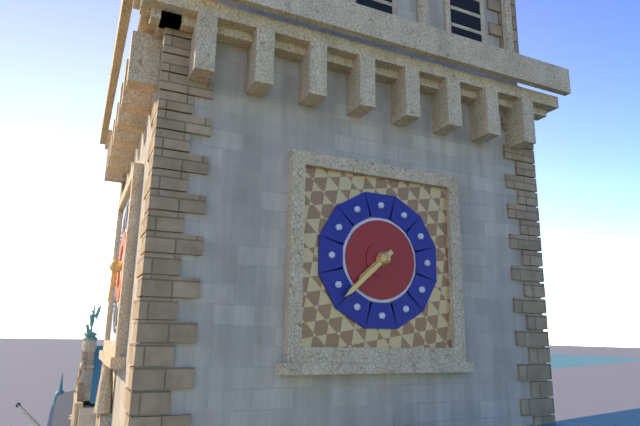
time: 7:38
